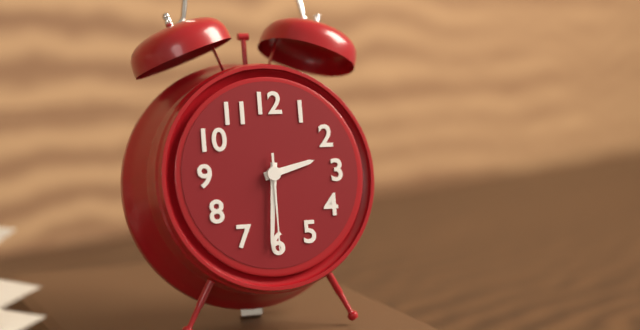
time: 2:31:30
